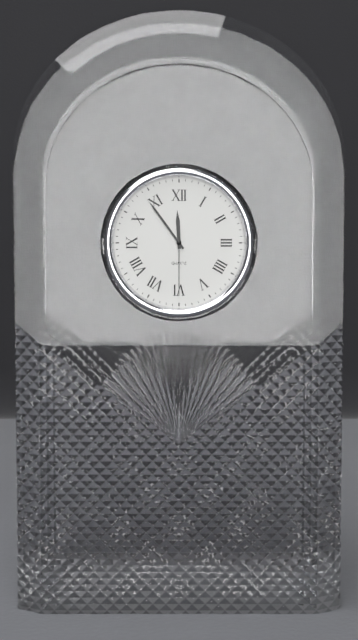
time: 11:54:30
